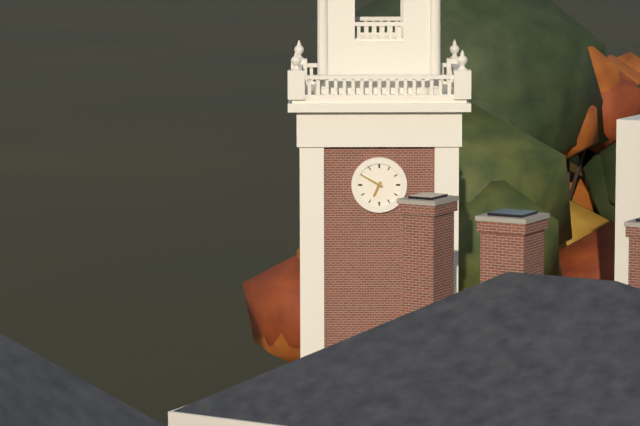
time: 6:50
